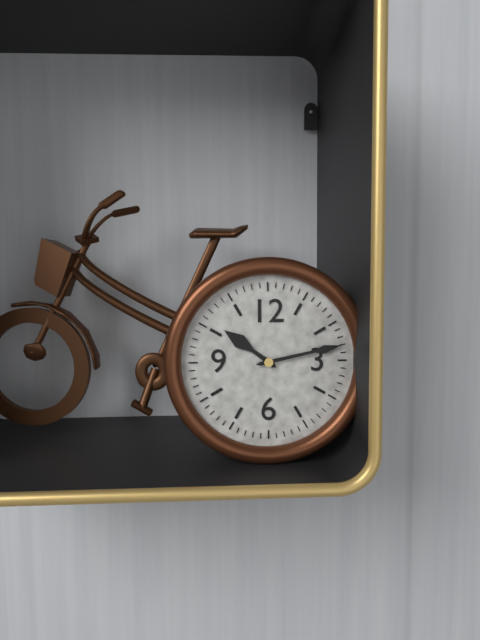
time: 10:13
